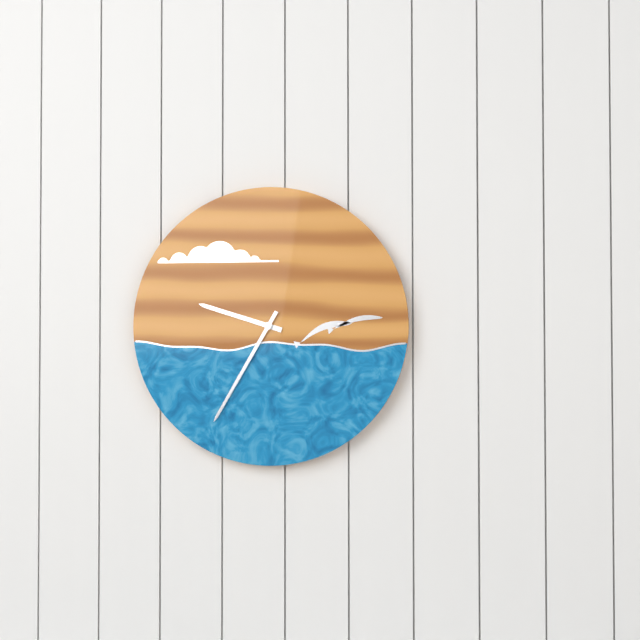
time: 9:35
